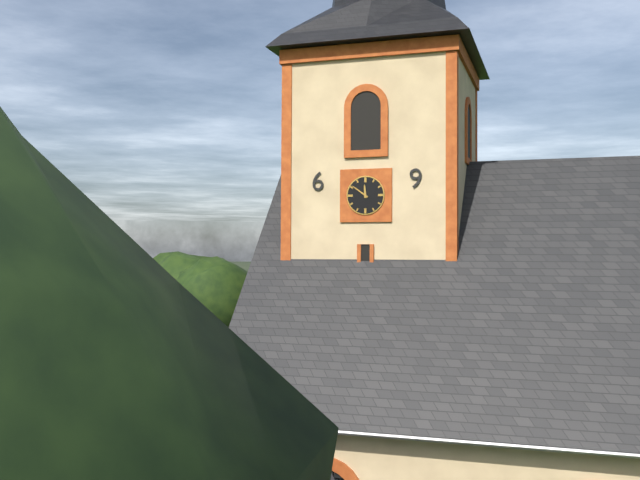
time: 11:51
